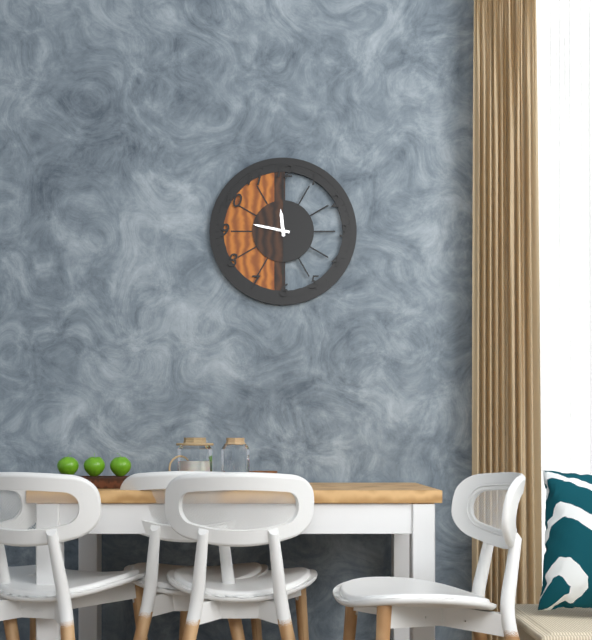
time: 11:47
